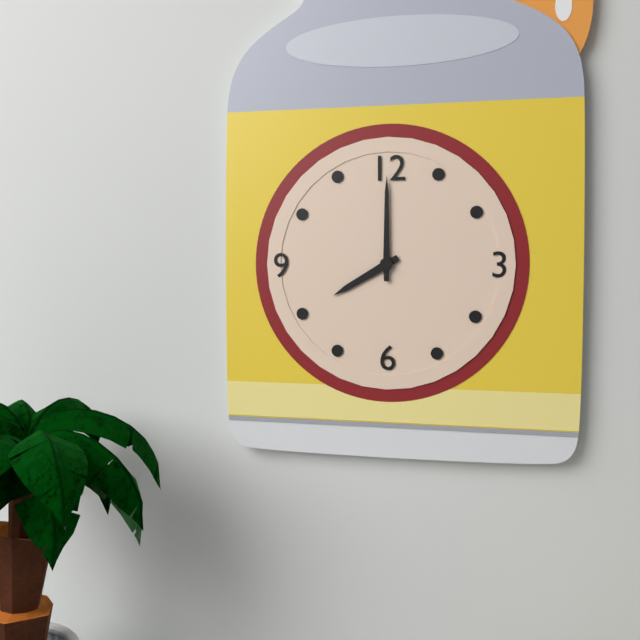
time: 8:00
